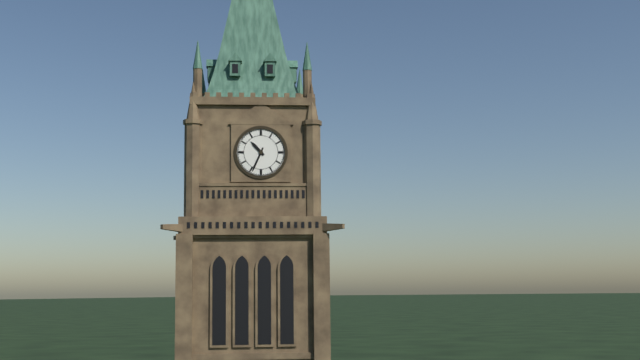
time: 10:34
